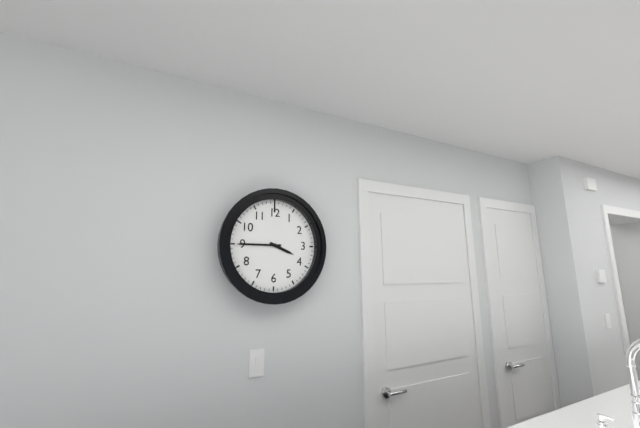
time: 3:45
